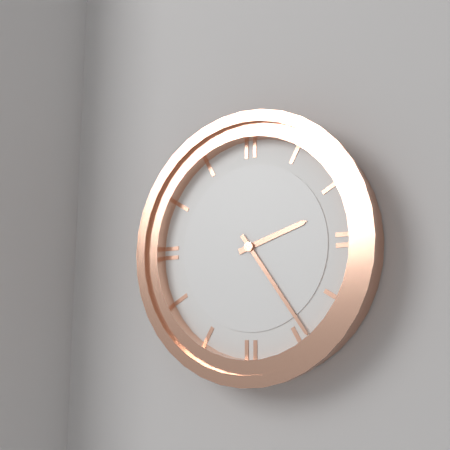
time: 2:24
